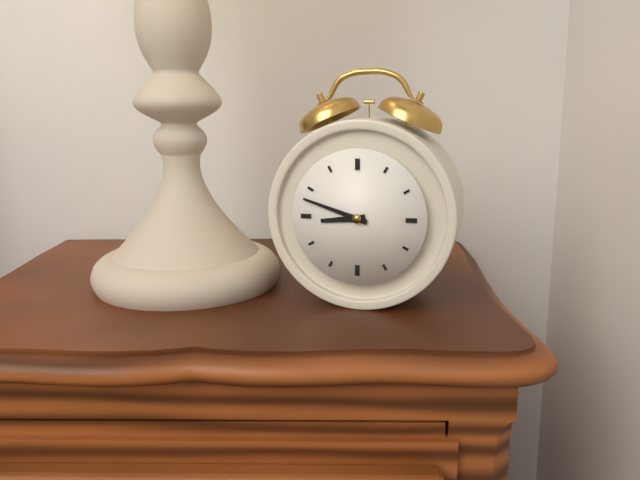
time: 8:48
